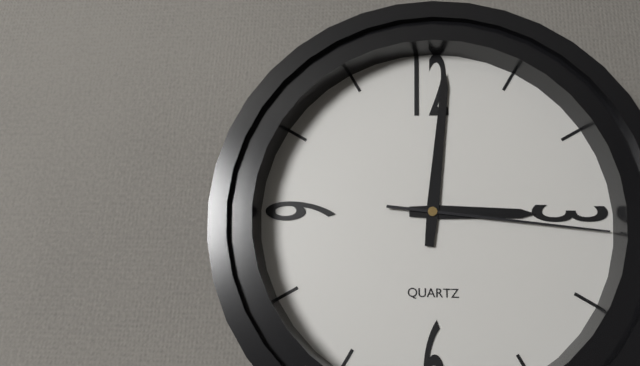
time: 3:01:16
